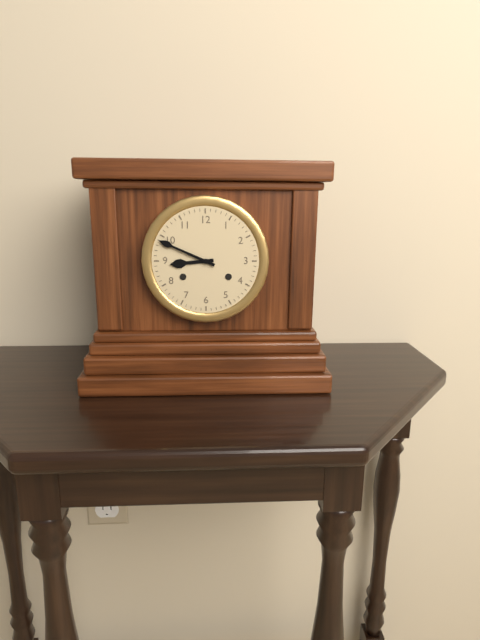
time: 8:49
